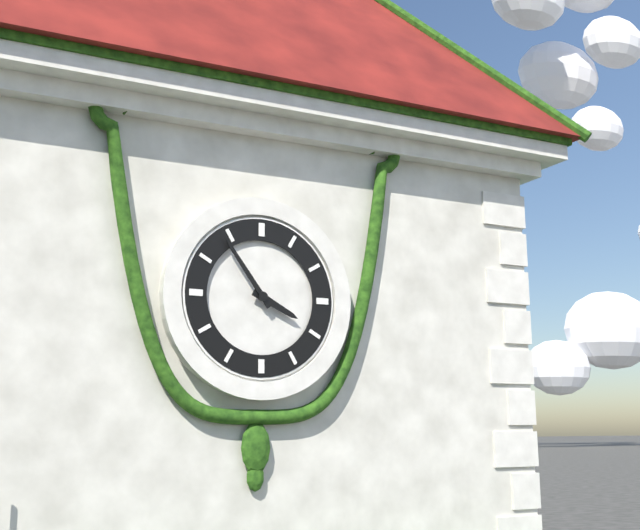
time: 3:54
